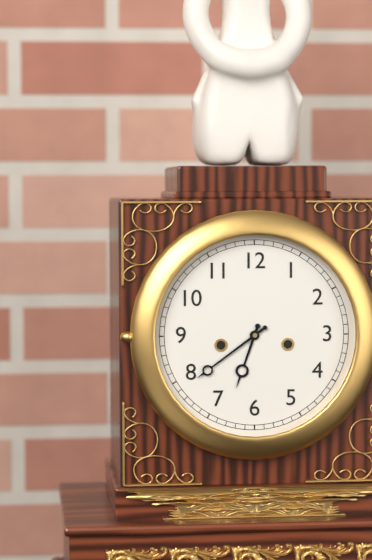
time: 6:39
